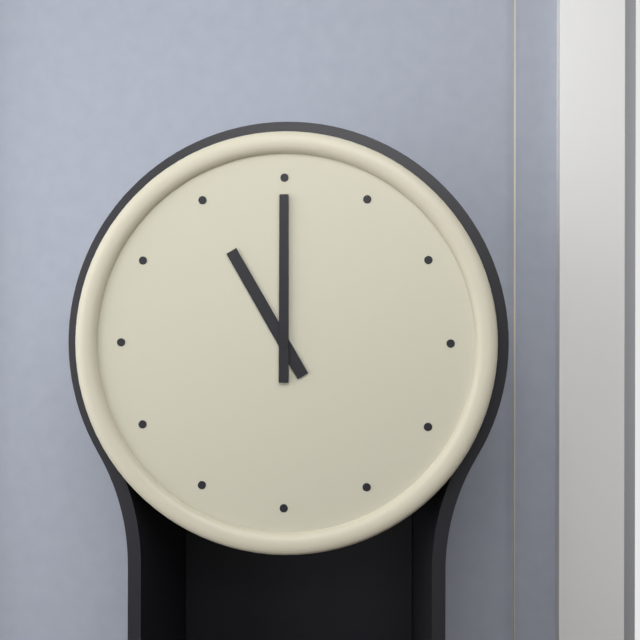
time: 11:00
